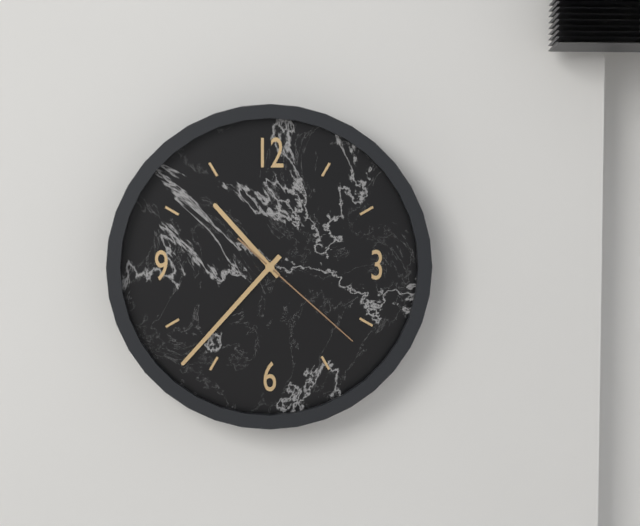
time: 10:37:22
